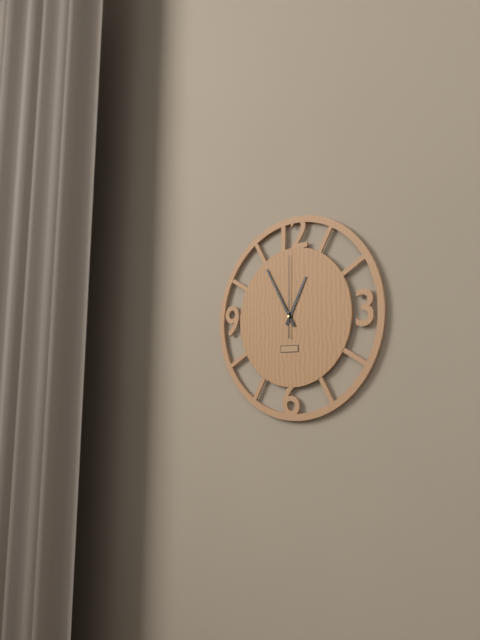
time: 12:55:00
